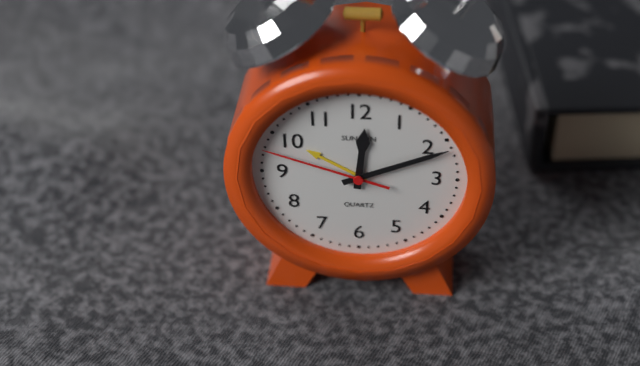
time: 12:11:48
